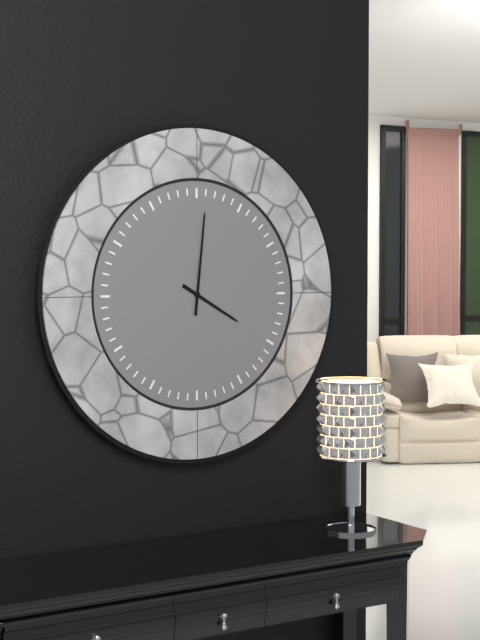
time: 4:01
